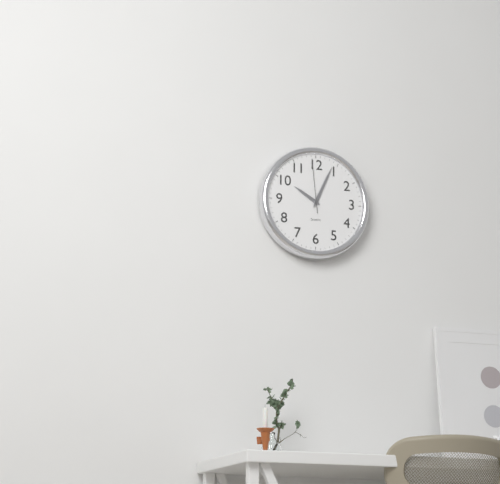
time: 10:04:59
